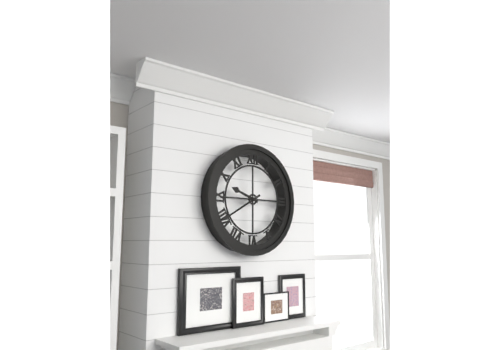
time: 9:40
